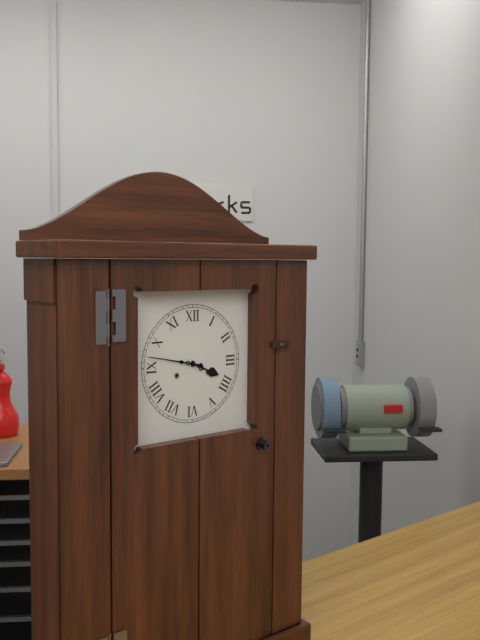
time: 3:47
